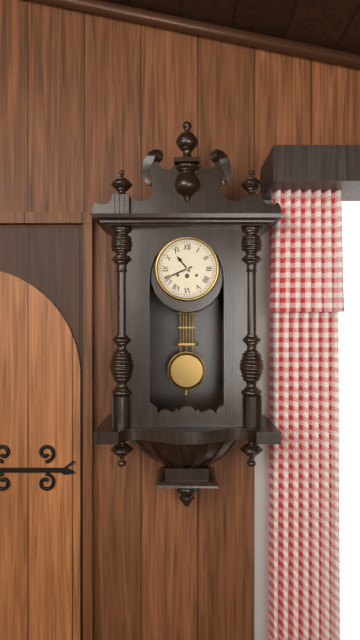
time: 10:41
